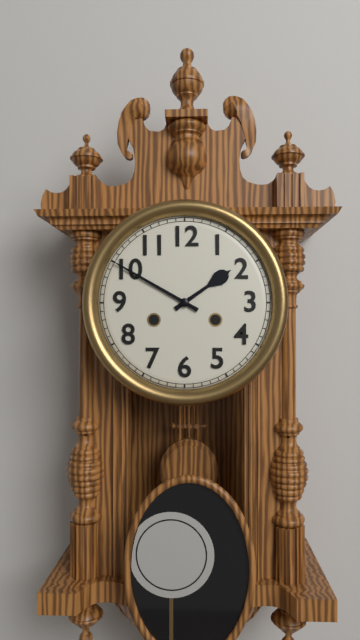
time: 1:50
